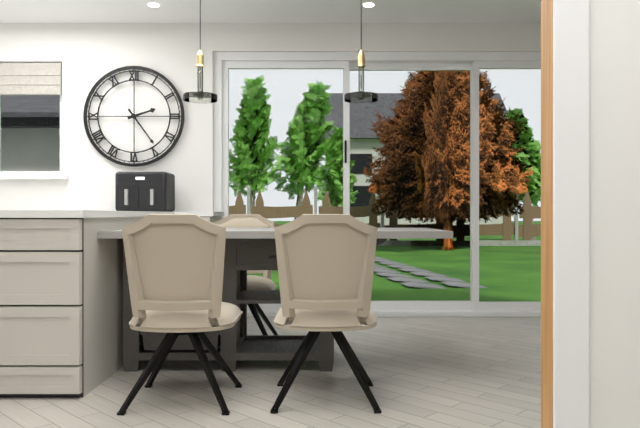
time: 2:24
